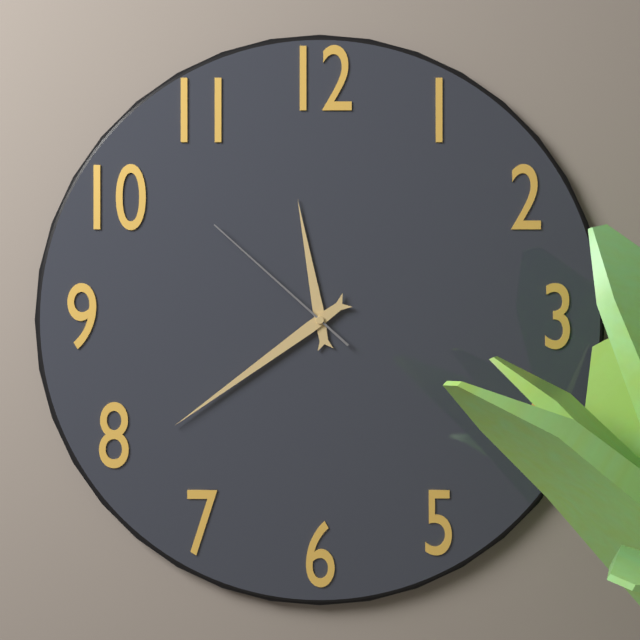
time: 11:39:52
